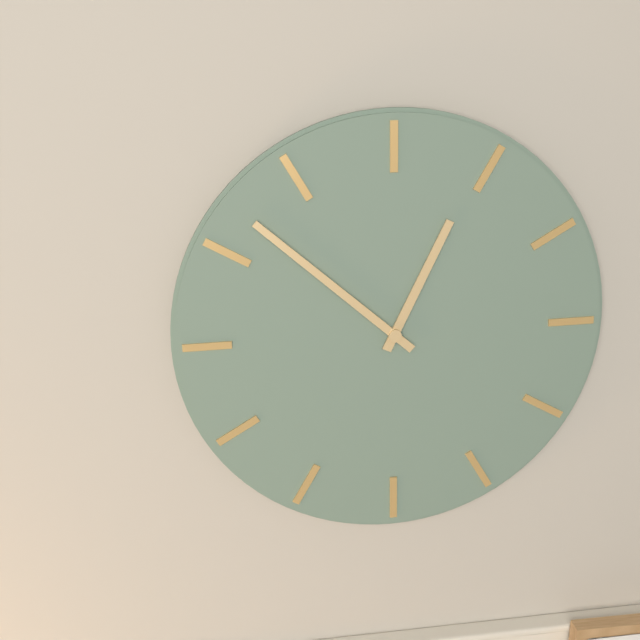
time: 12:52
